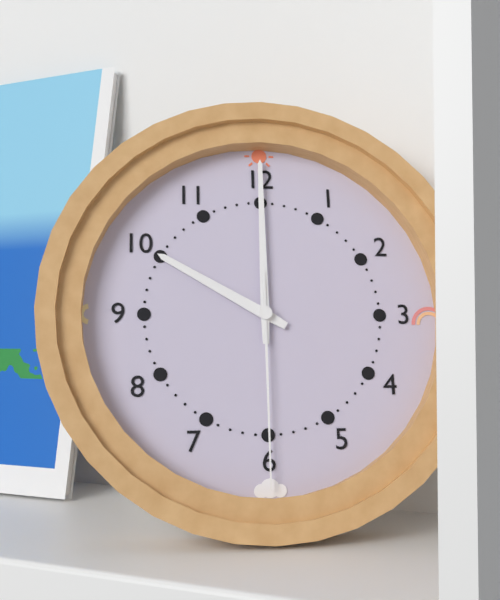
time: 10:00:30
